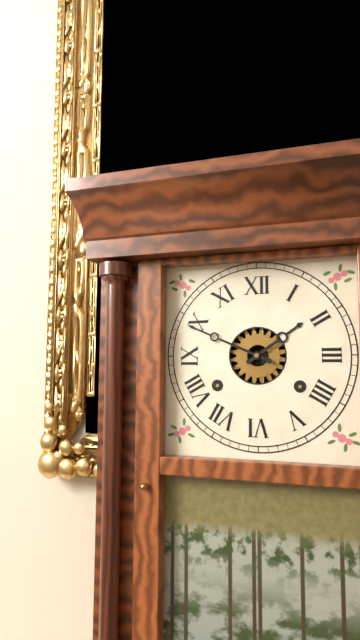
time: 1:49
